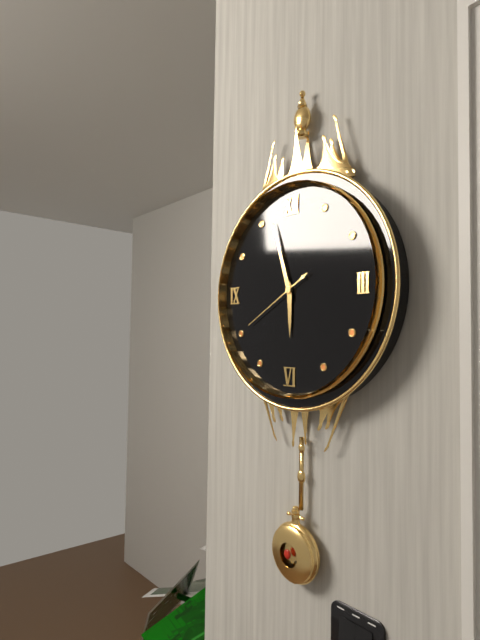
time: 5:57:40
